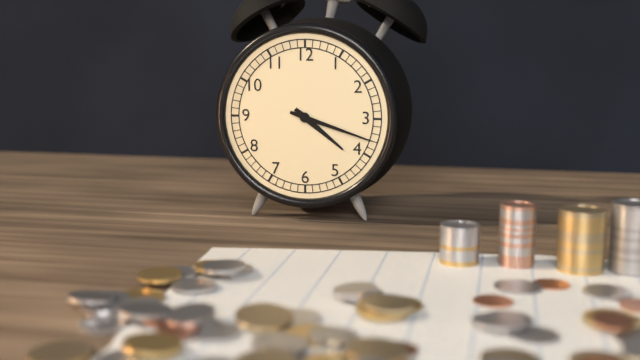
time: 4:18
